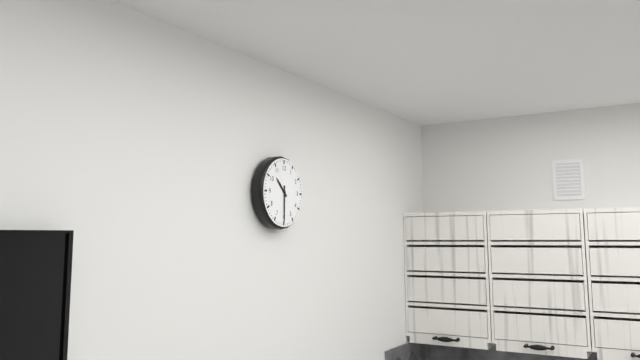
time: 10:30
